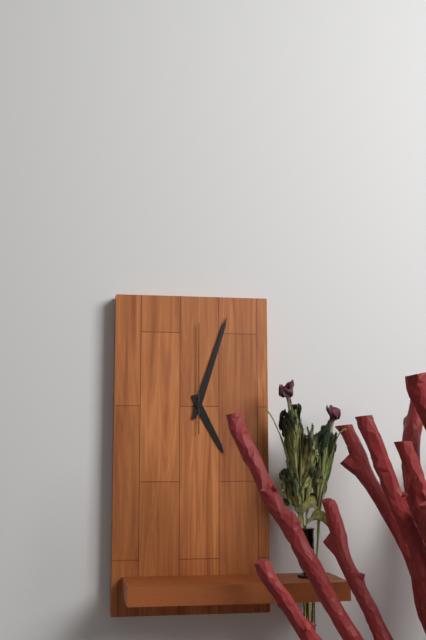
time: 5:03:00
